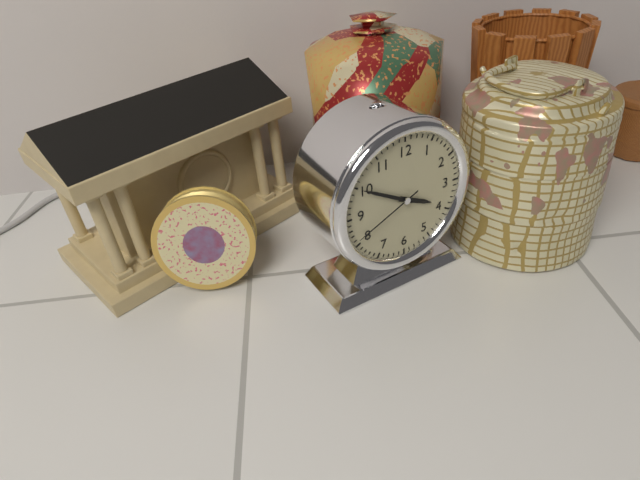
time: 3:50:41
